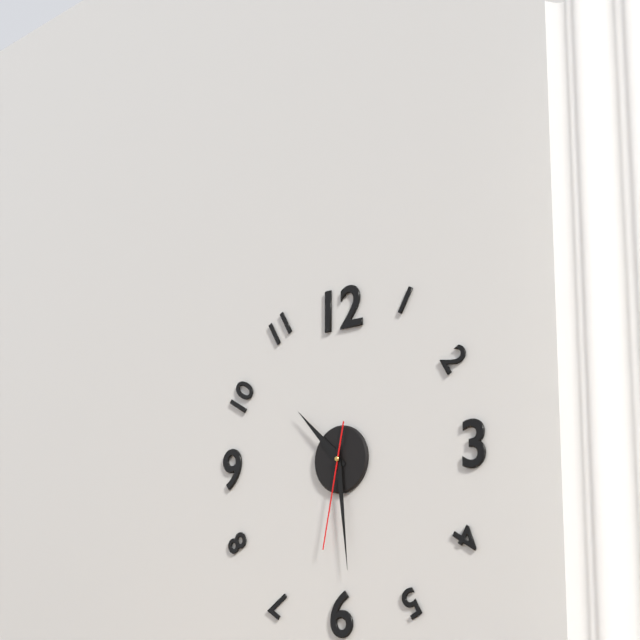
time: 10:29:32
